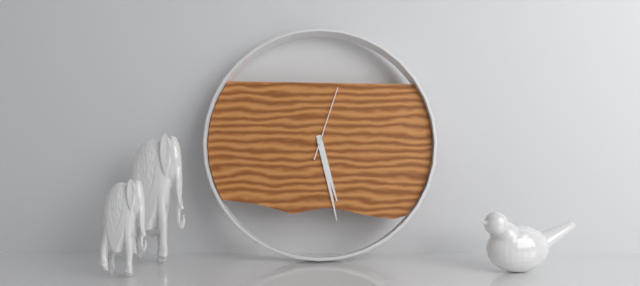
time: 5:28:03
